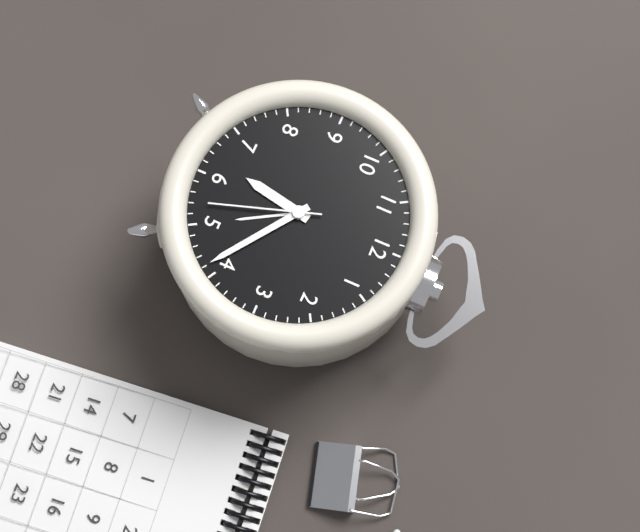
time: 6:21:27
